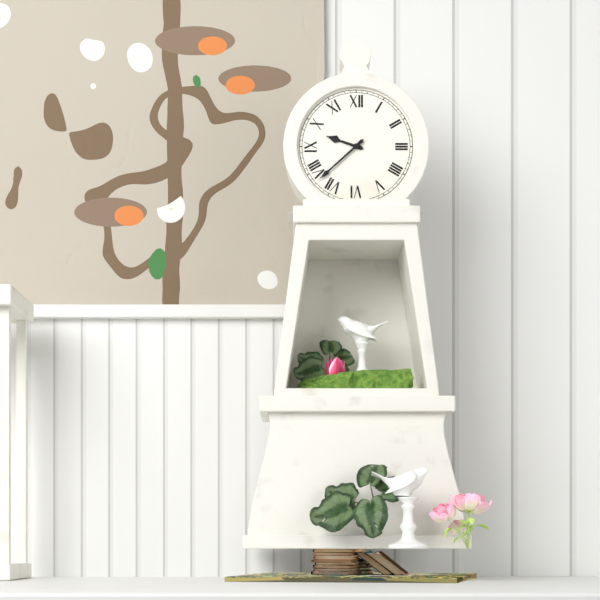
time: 9:38
